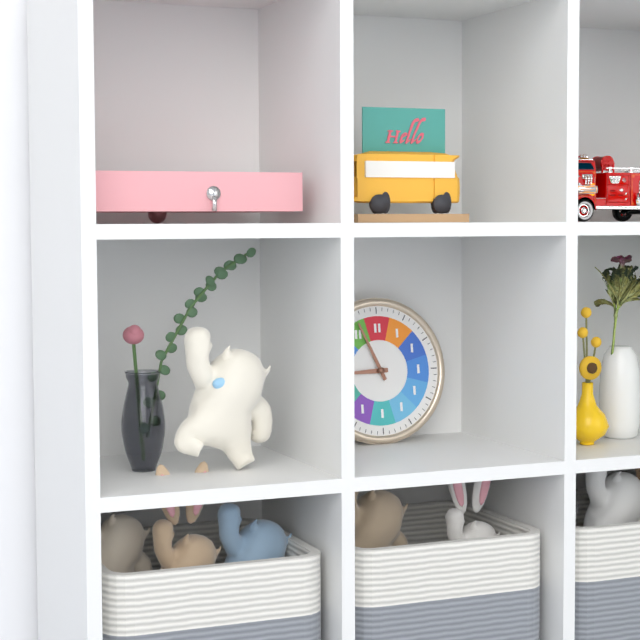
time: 8:56
